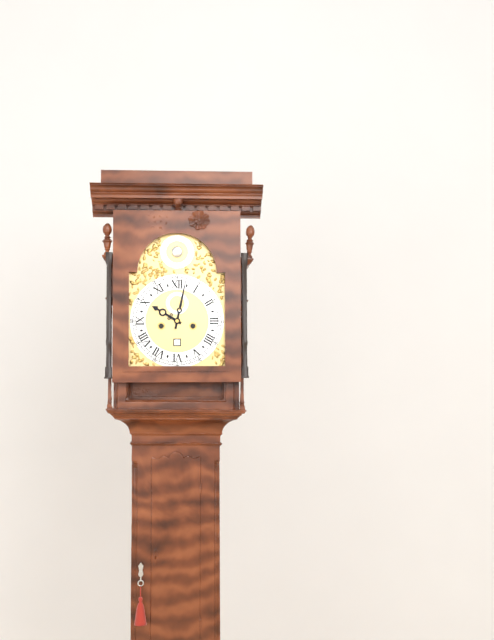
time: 10:02
